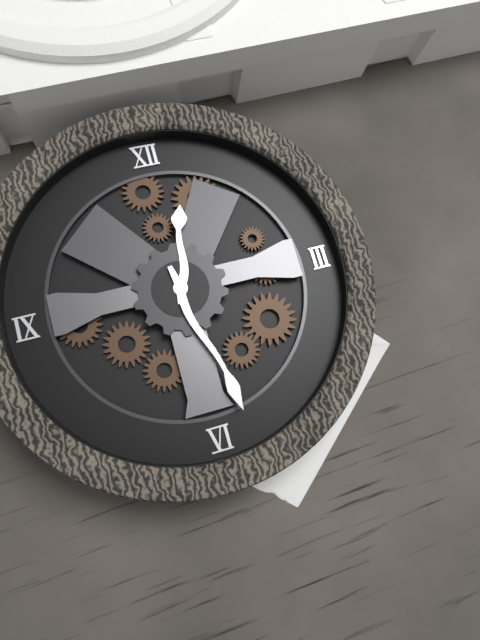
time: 12:28
